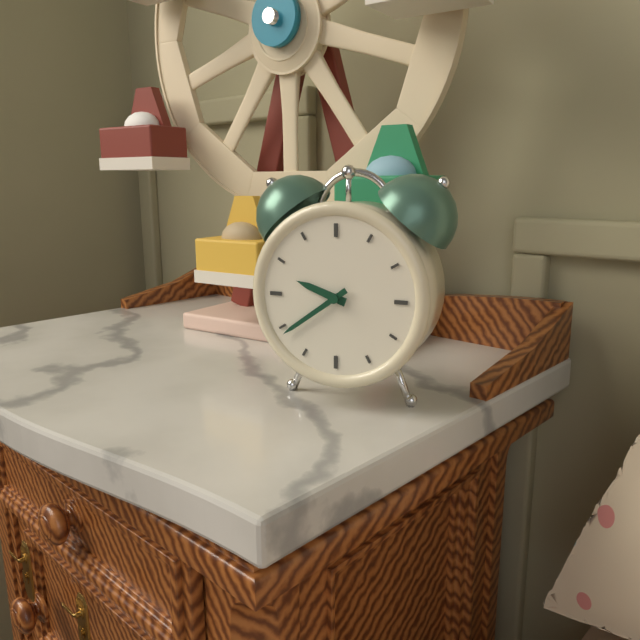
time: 9:39
